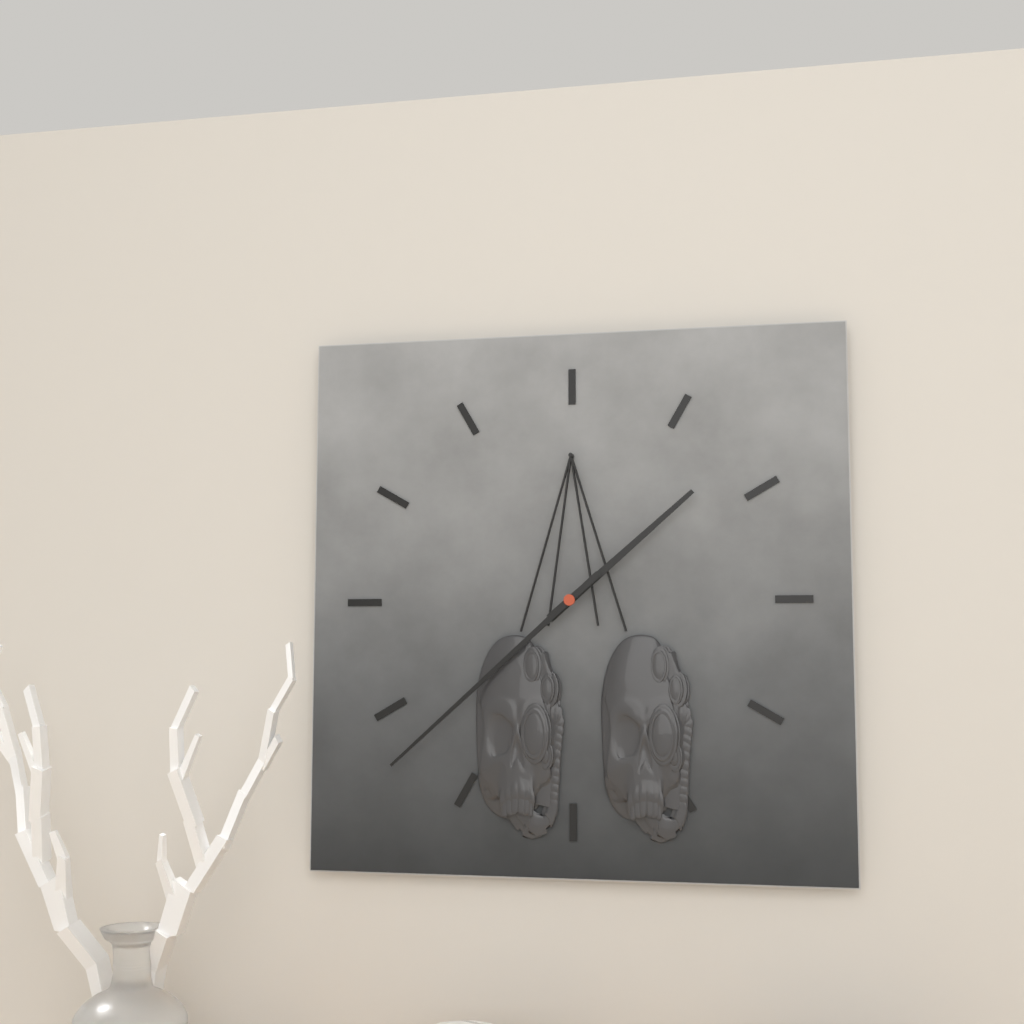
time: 1:38
